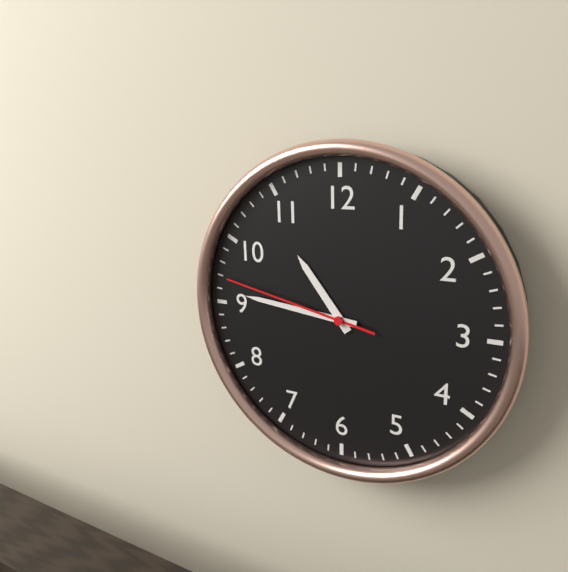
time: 10:46:47
